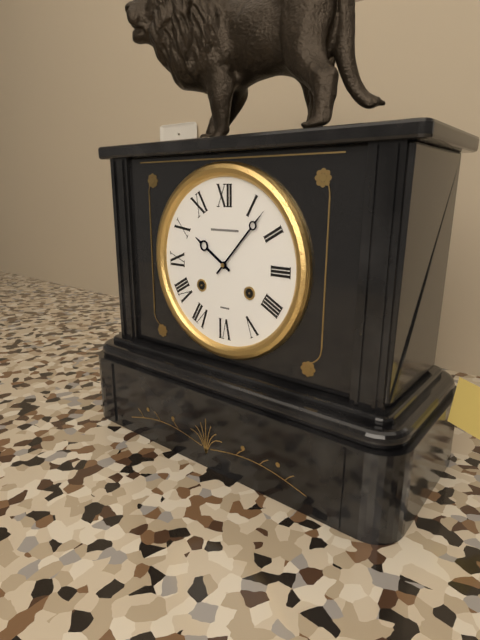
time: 10:07
